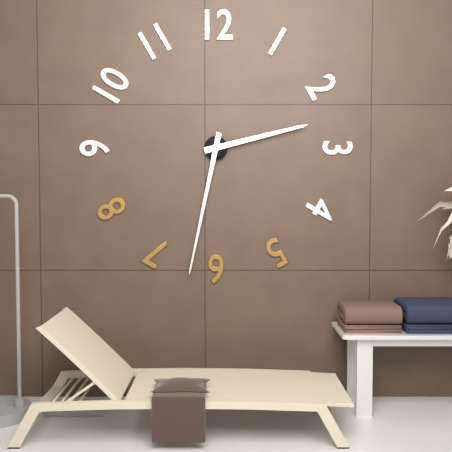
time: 2:32
